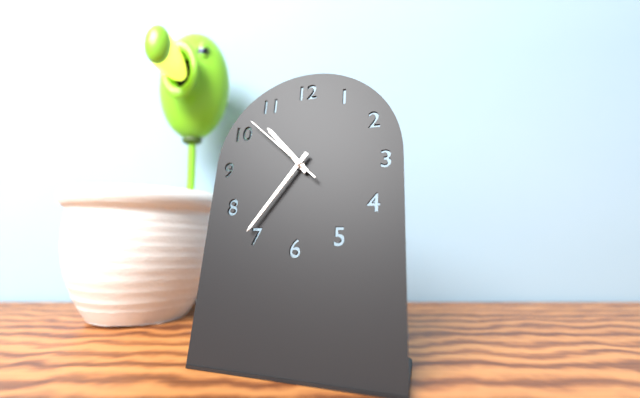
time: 10:36:52
